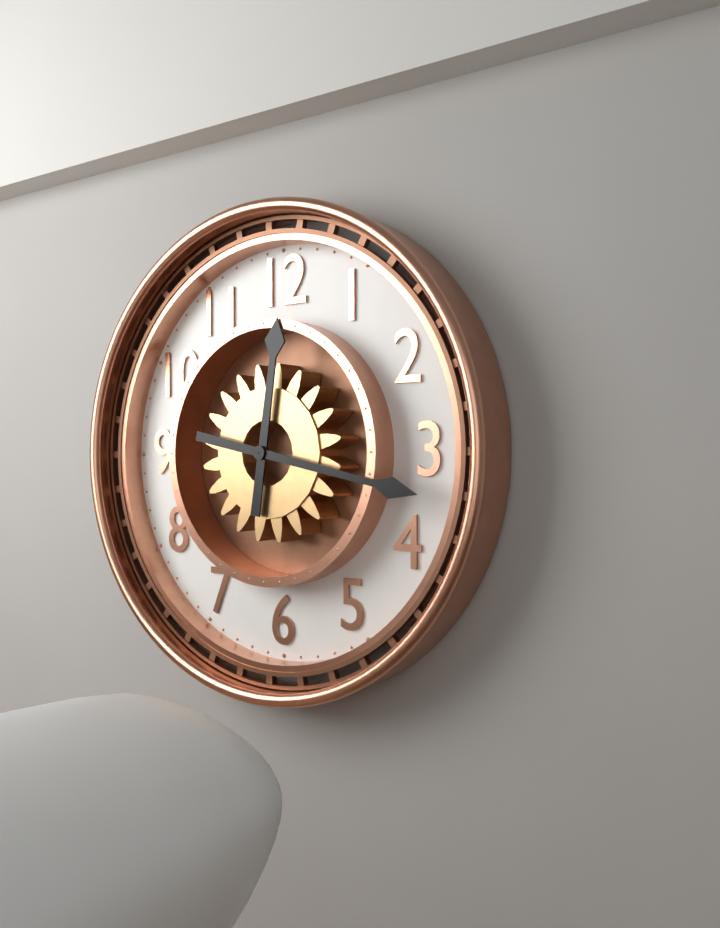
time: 12:17
